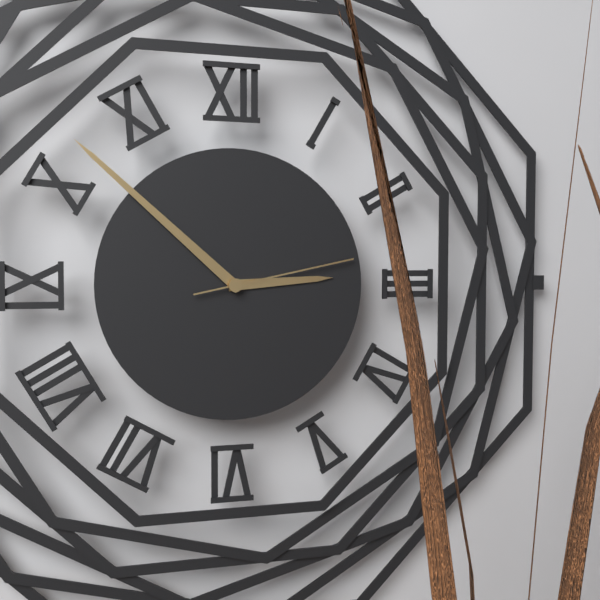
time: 2:52:13
